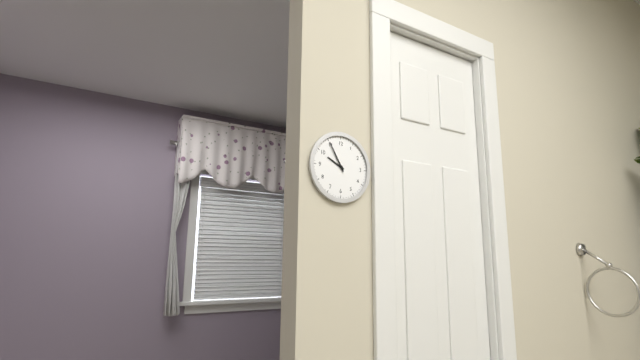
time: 9:55
